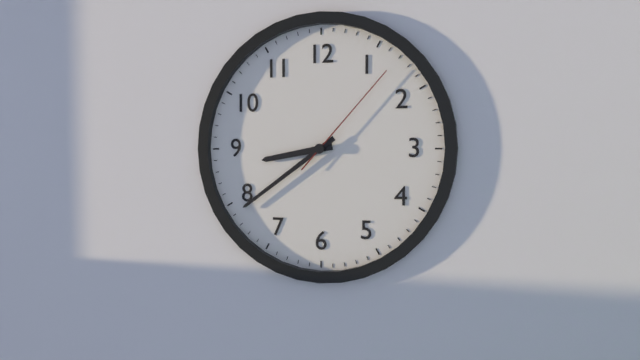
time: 8:39:07
